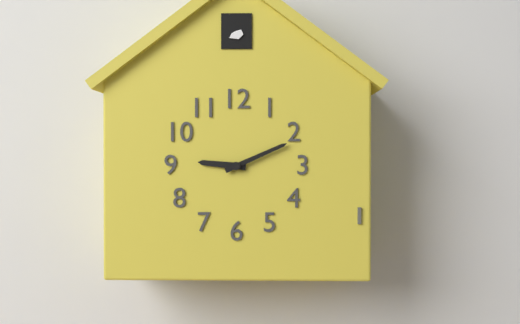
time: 9:11
